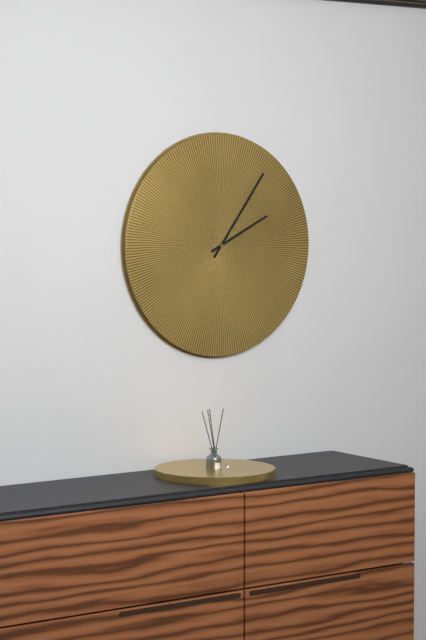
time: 2:06
